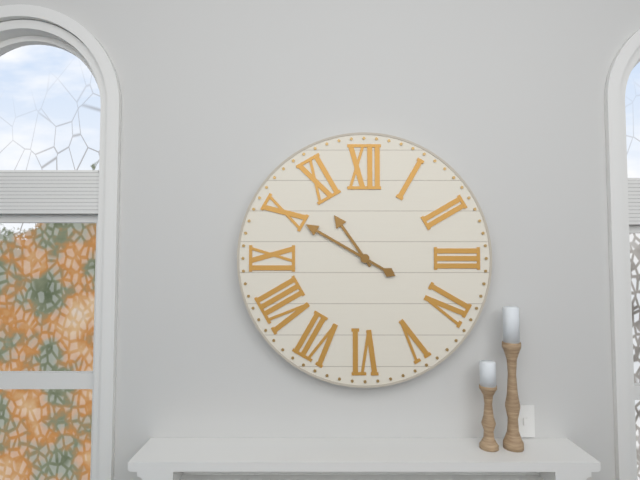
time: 10:50
